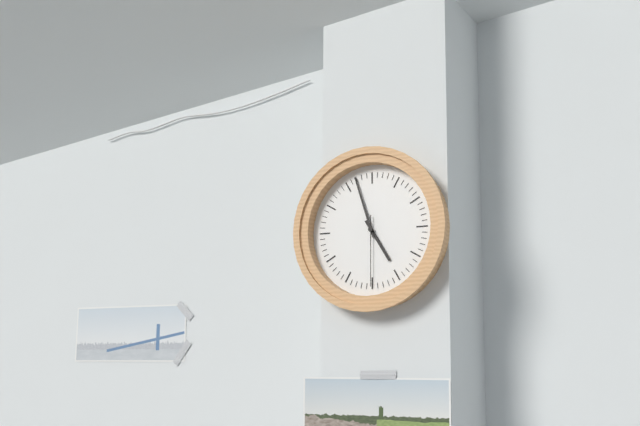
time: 4:57:30
